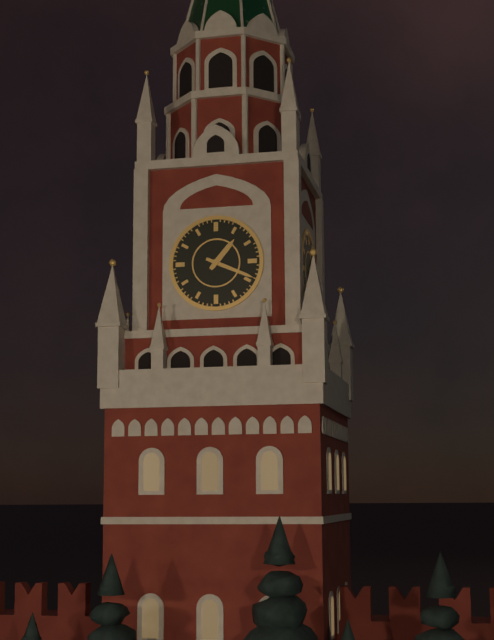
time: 1:19
